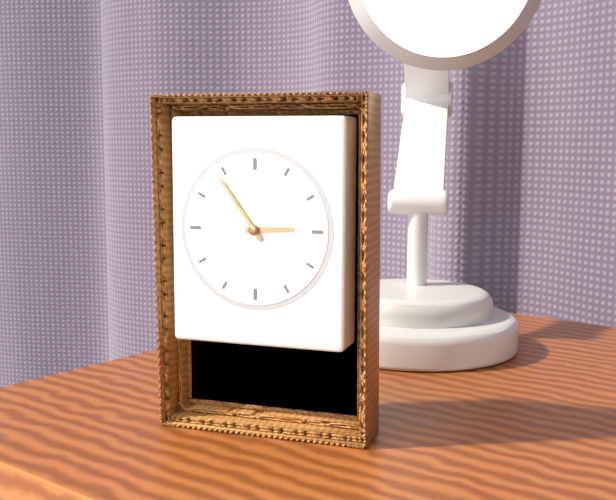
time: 2:54
